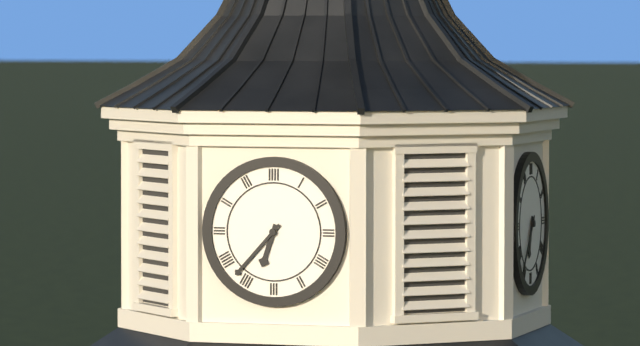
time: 6:37
